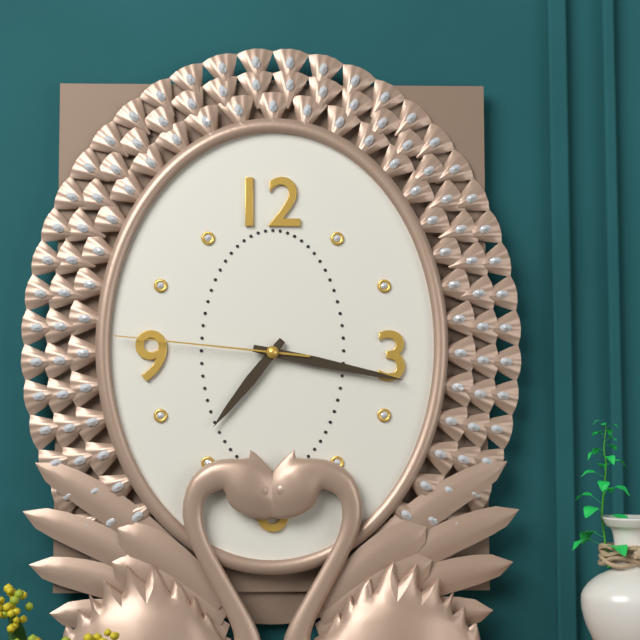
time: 7:17:46
